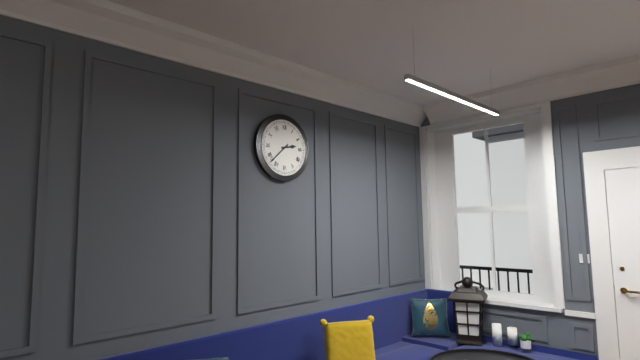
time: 2:38
